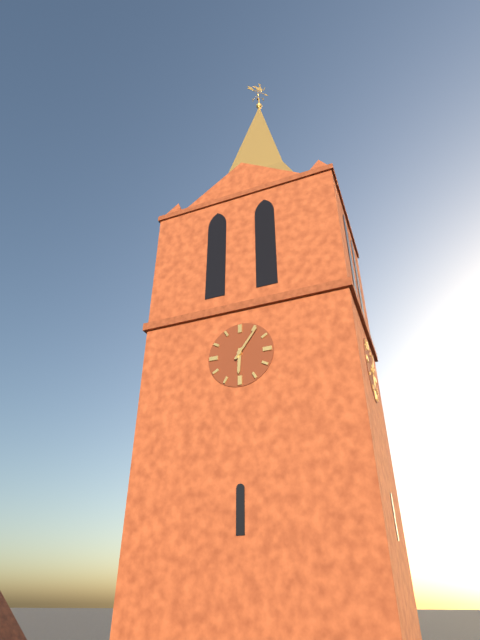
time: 6:06
